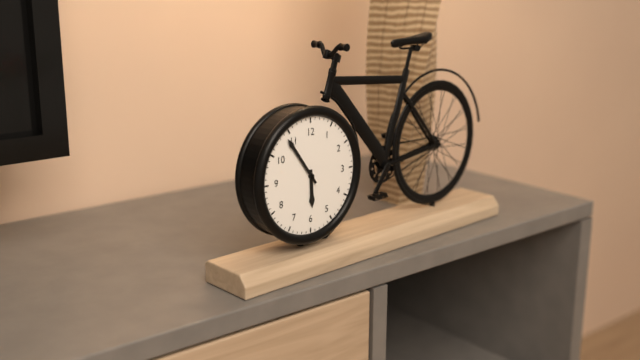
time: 5:54
